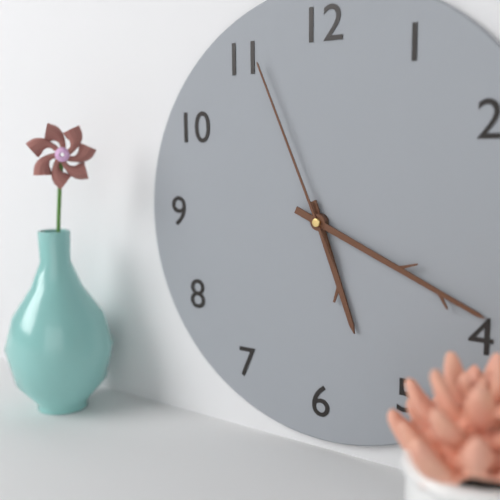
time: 5:19:56
